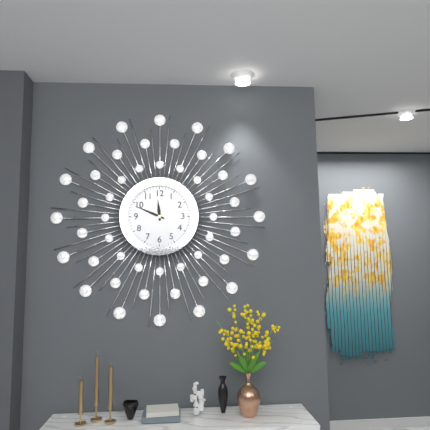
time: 11:49
